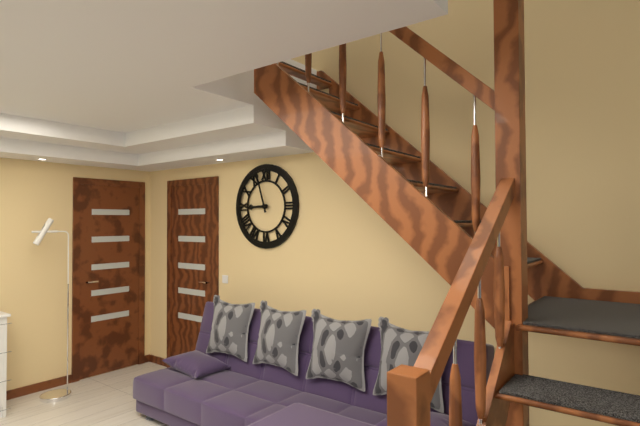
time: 8:57
